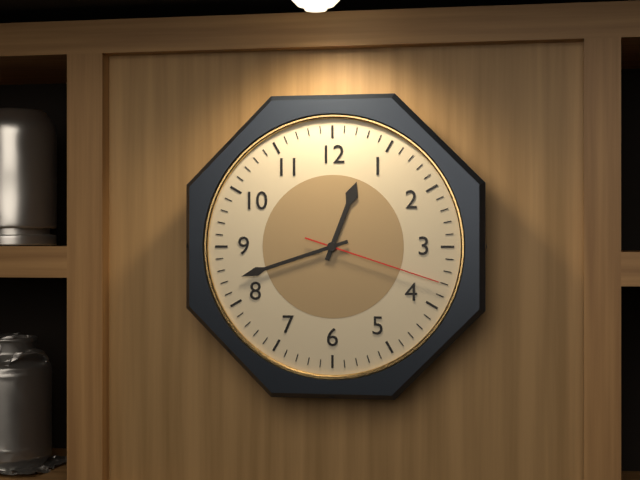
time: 12:42:18
